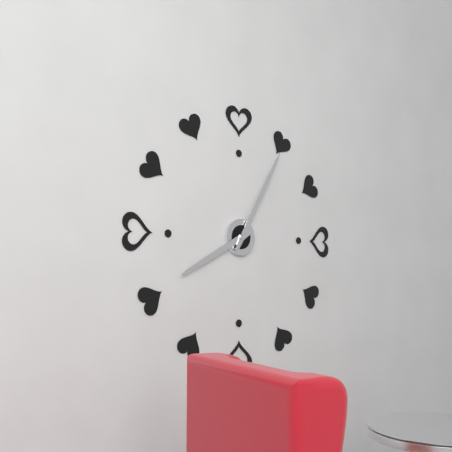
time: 8:05
